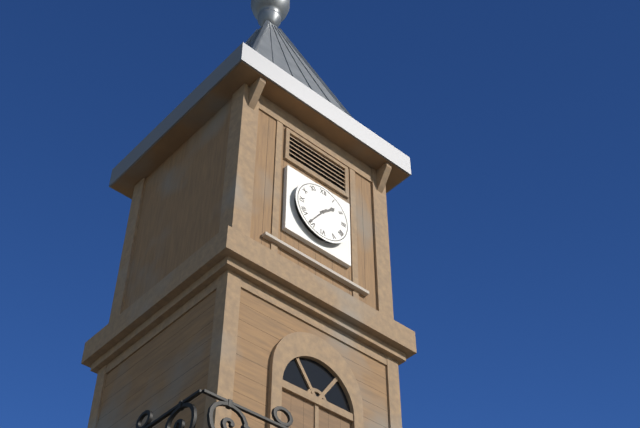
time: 1:36
